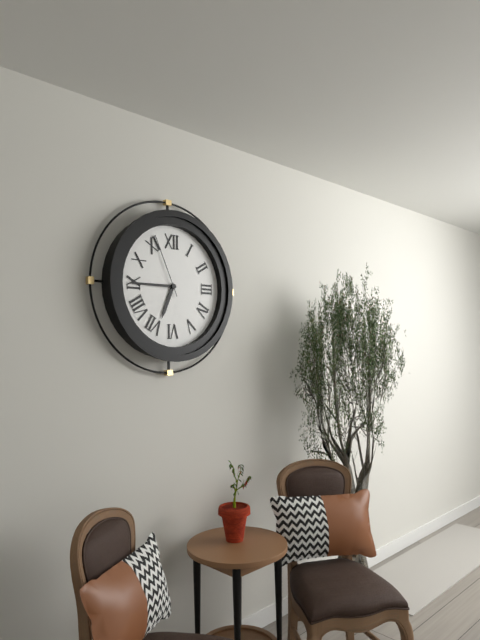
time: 6:45:56
